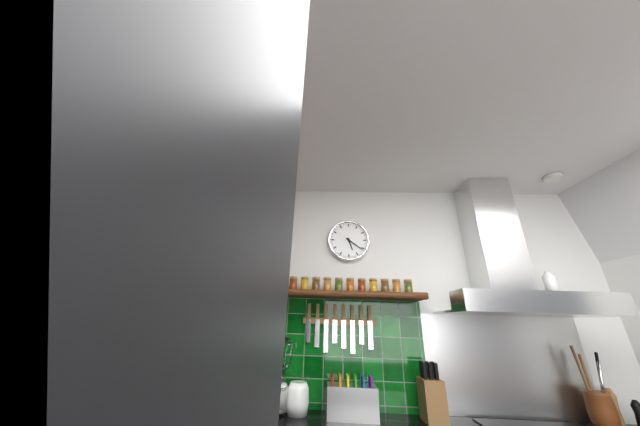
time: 5:21
